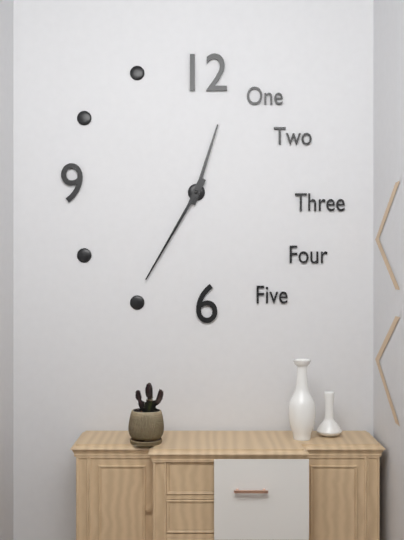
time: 12:35
